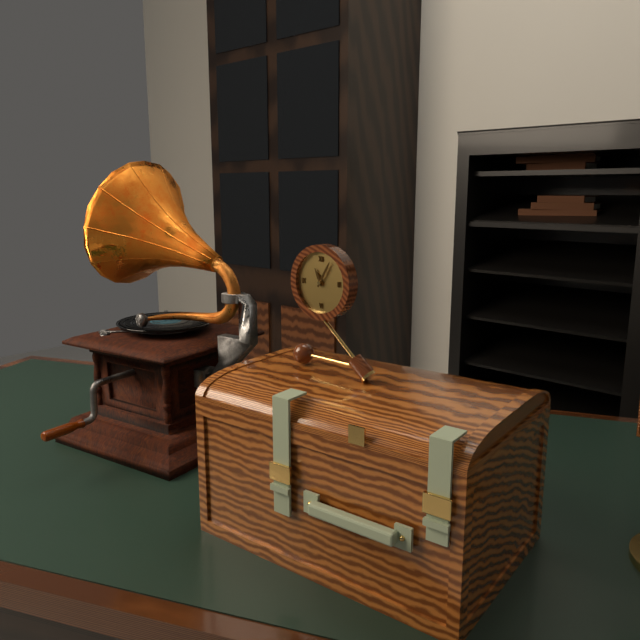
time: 11:05
